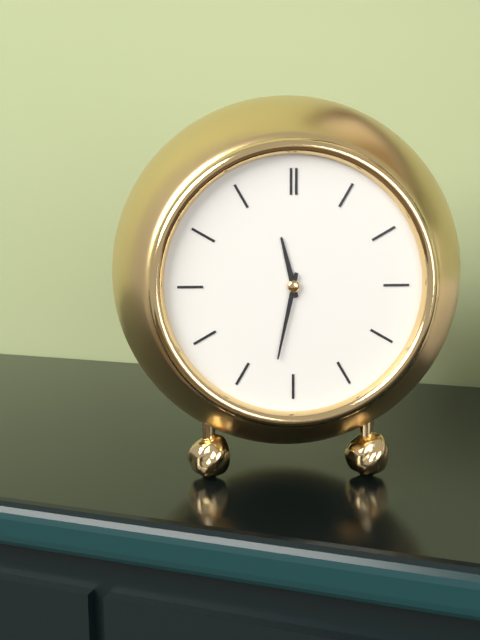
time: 11:32
